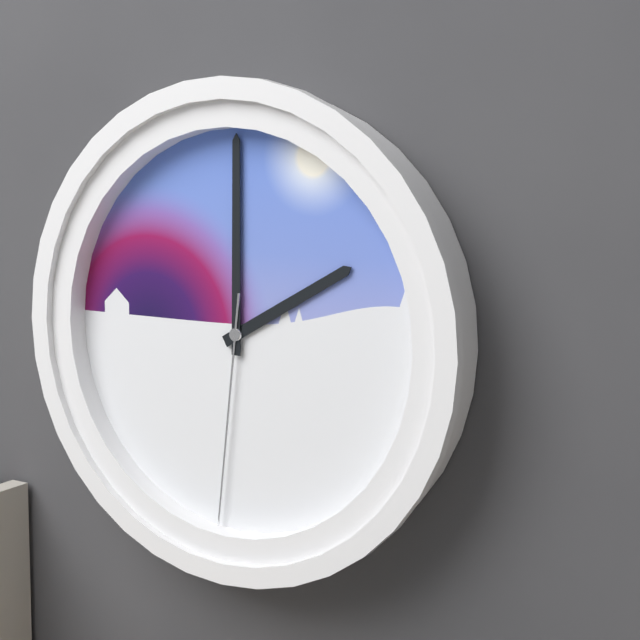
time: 2:00:31
